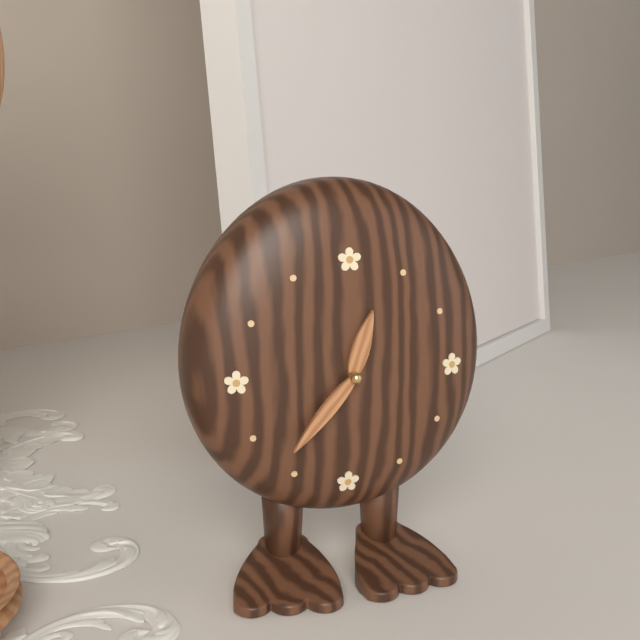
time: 12:37
